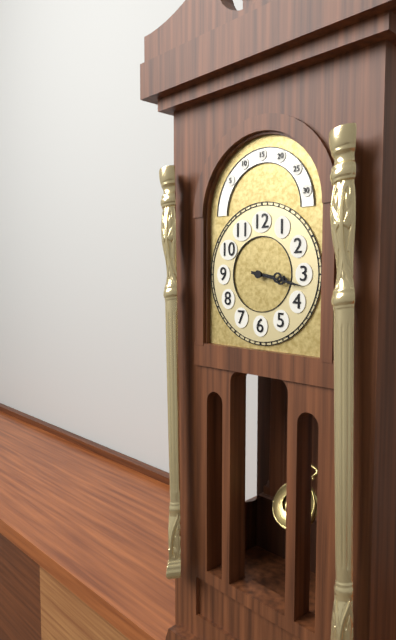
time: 3:17
